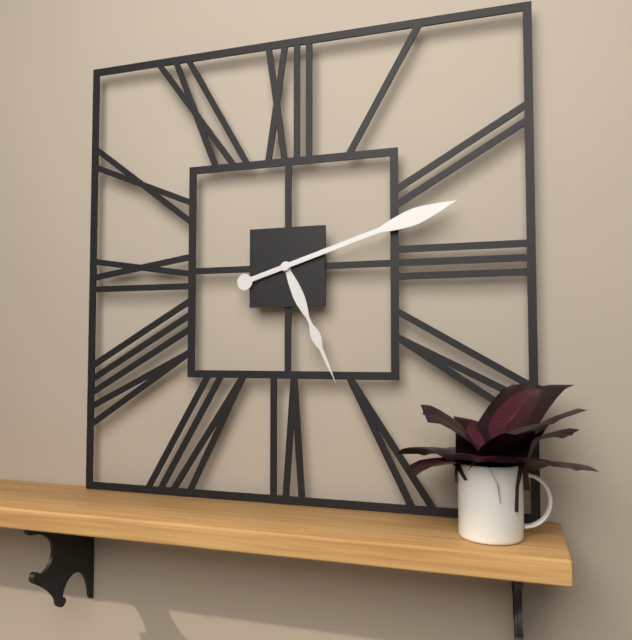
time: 5:12
